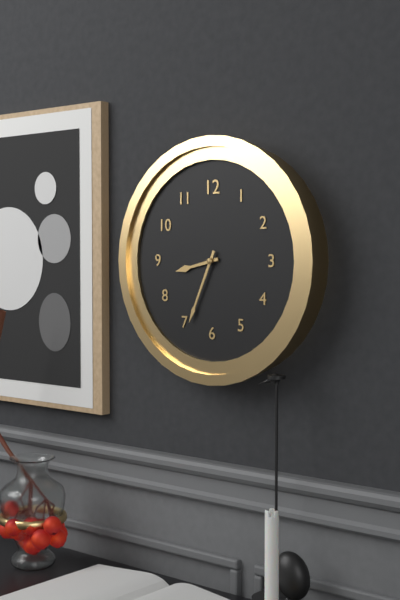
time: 8:34
